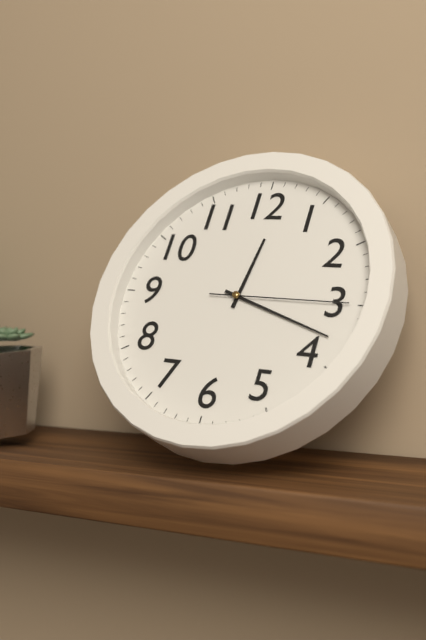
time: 12:18:15
